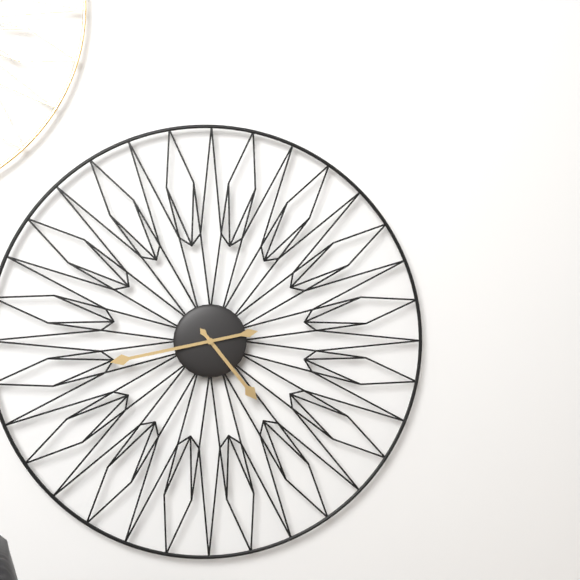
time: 4:43
